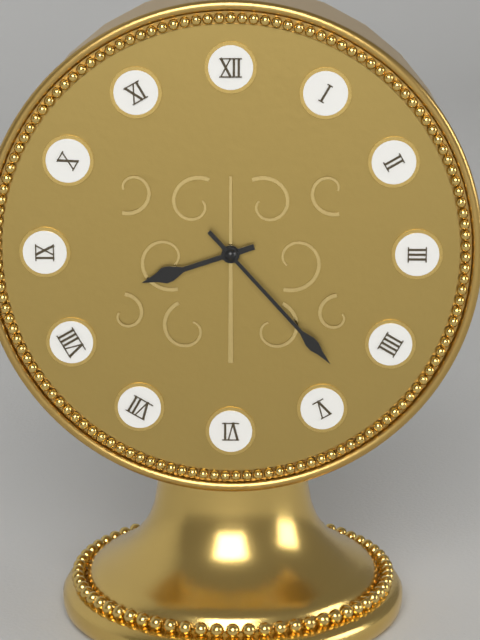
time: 8:23
